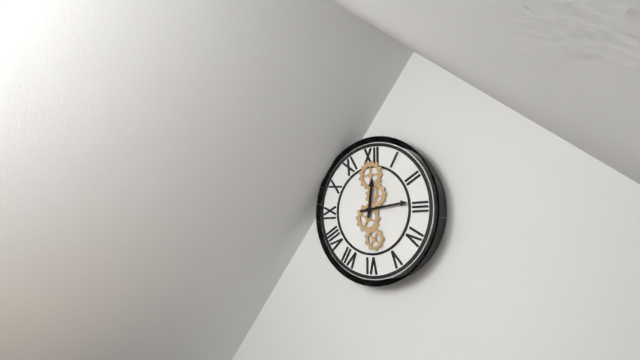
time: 12:14
